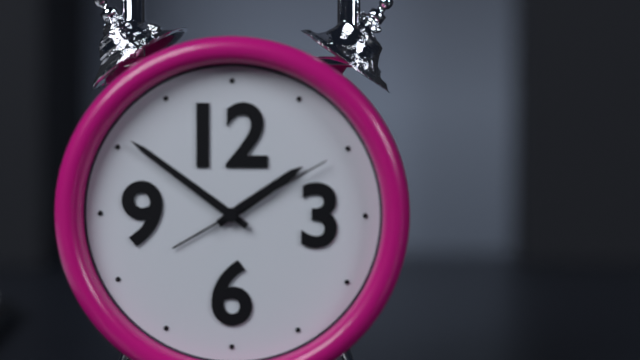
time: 1:51:10
